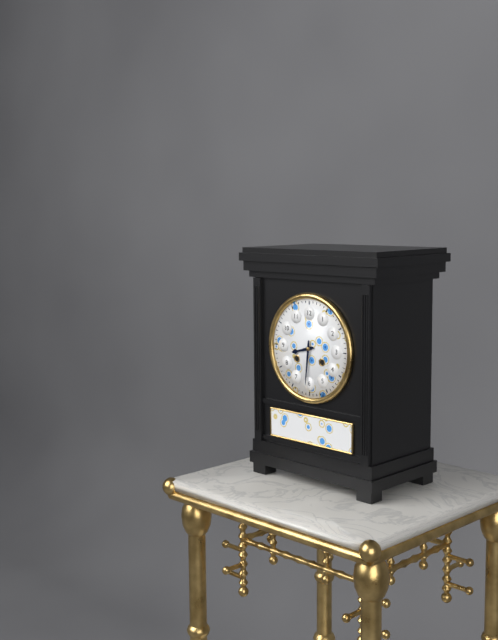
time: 8:31
